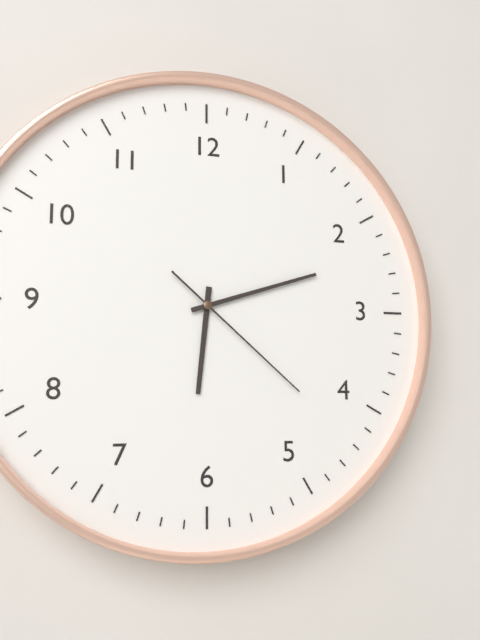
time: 6:12:22
